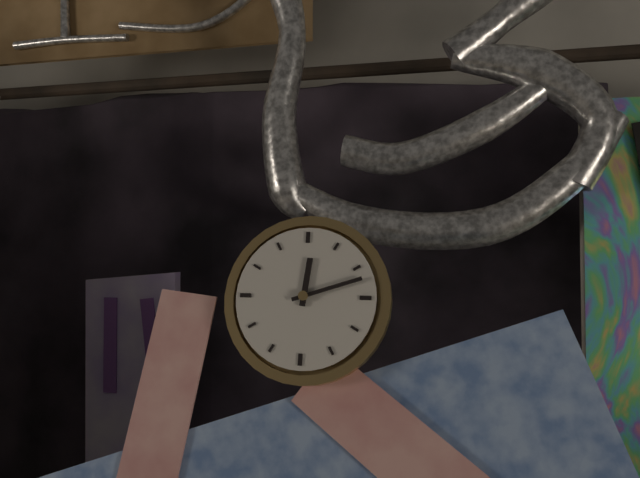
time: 12:12
